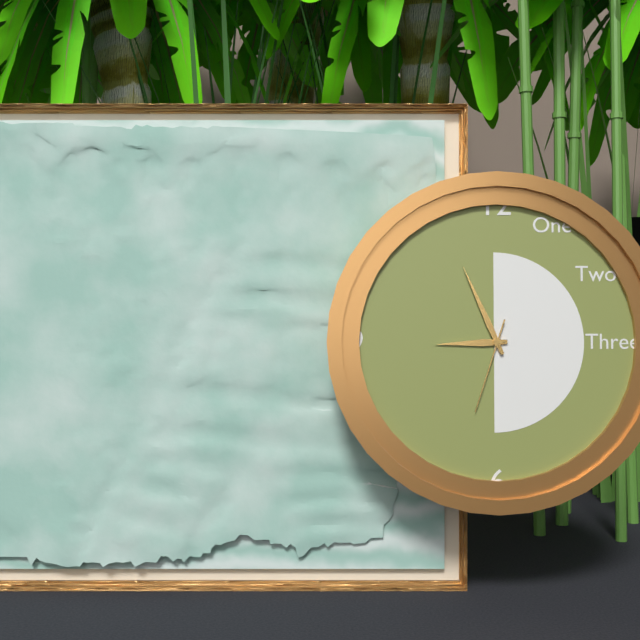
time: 8:56:33
